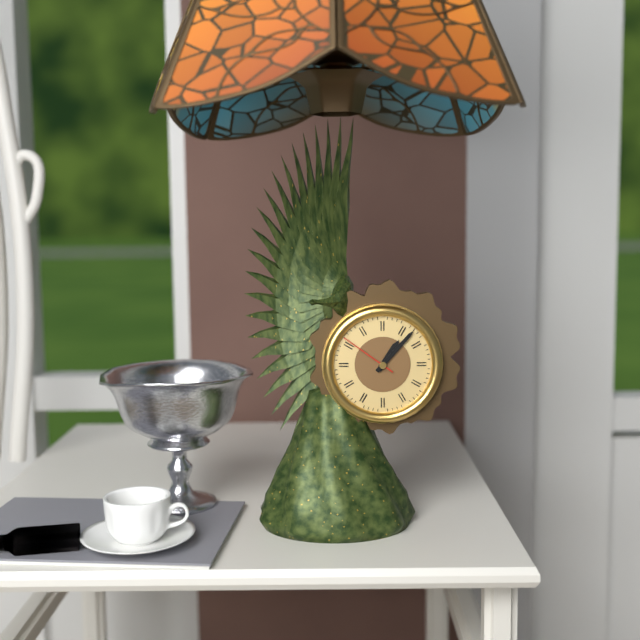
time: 1:07:51
